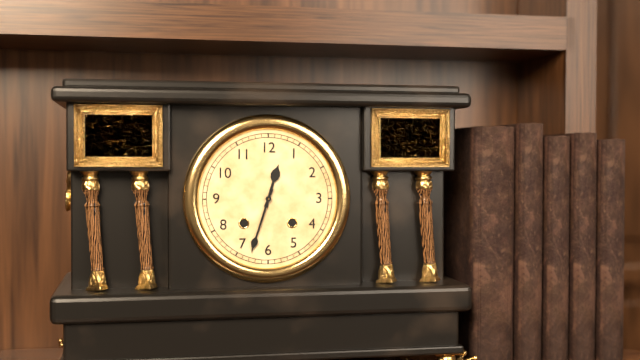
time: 12:33
